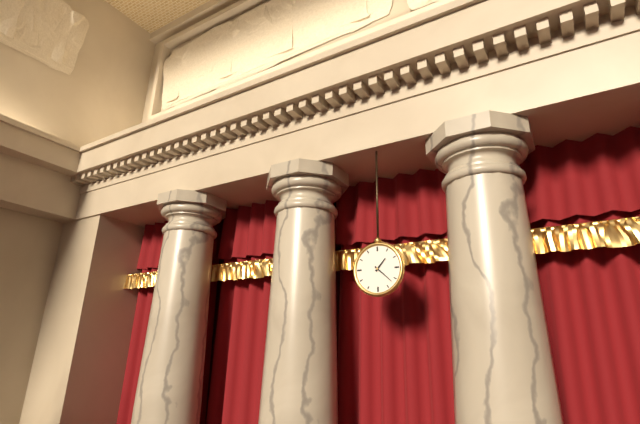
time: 1:22
